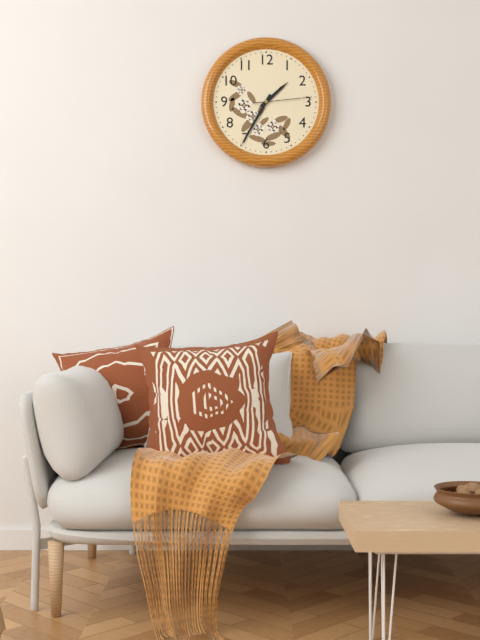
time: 1:35:14
